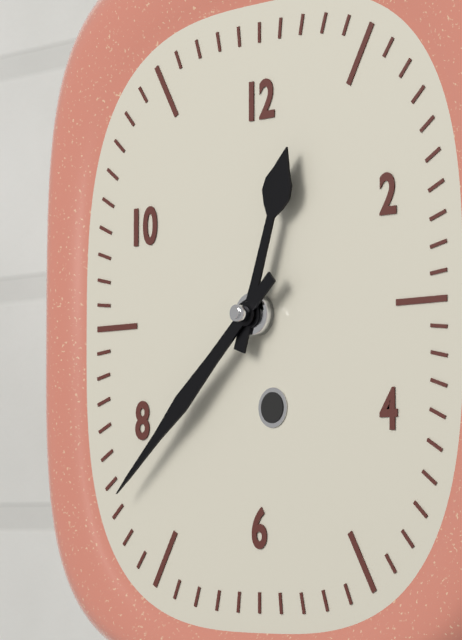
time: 12:38
